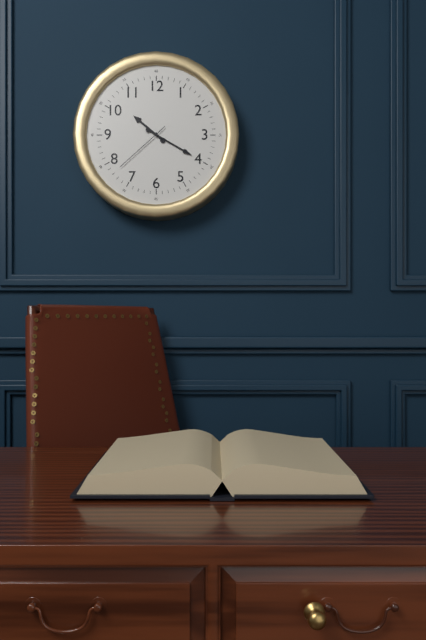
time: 10:20:38
